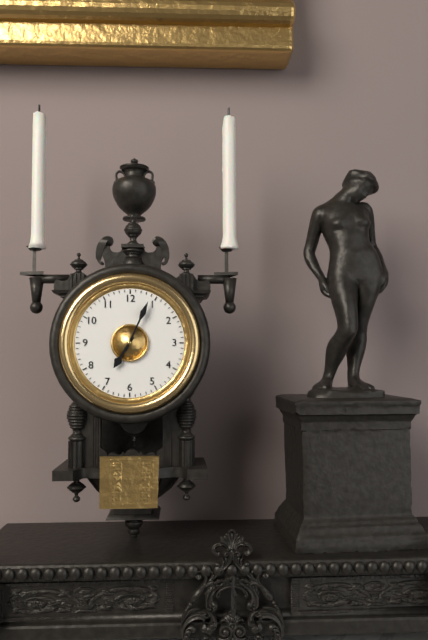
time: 7:04
